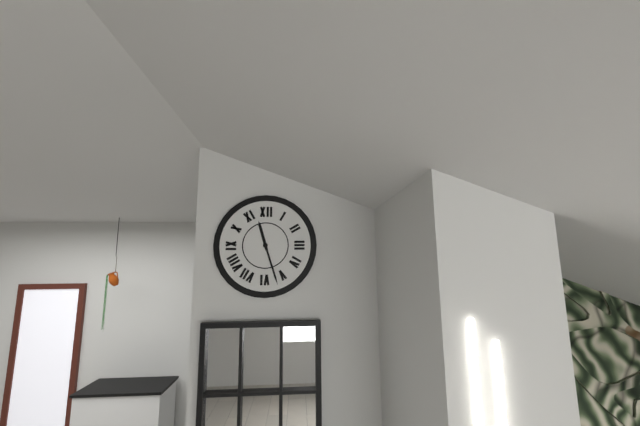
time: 11:27
